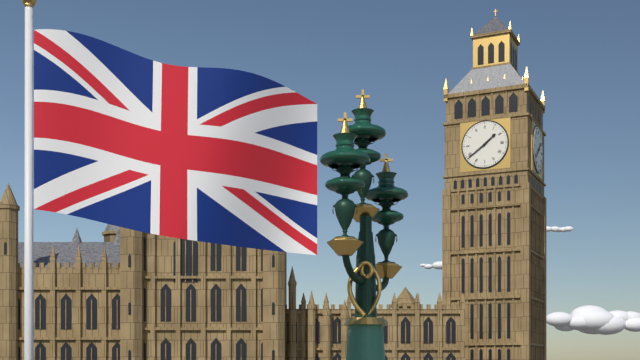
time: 1:39
